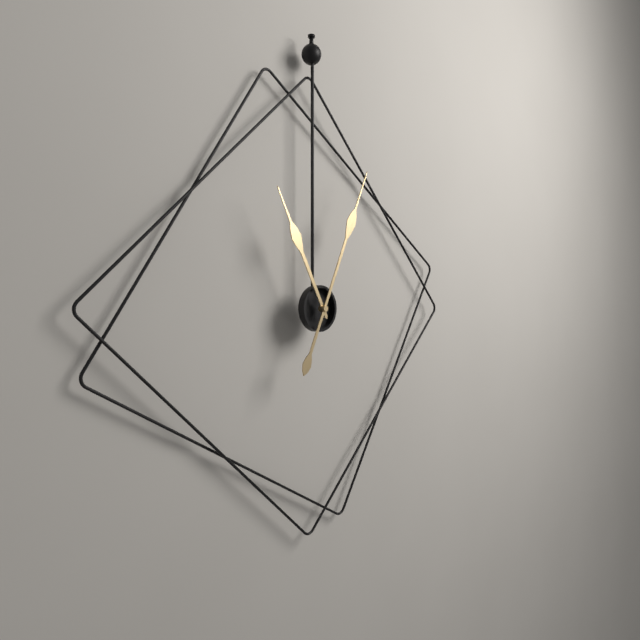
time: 11:04
